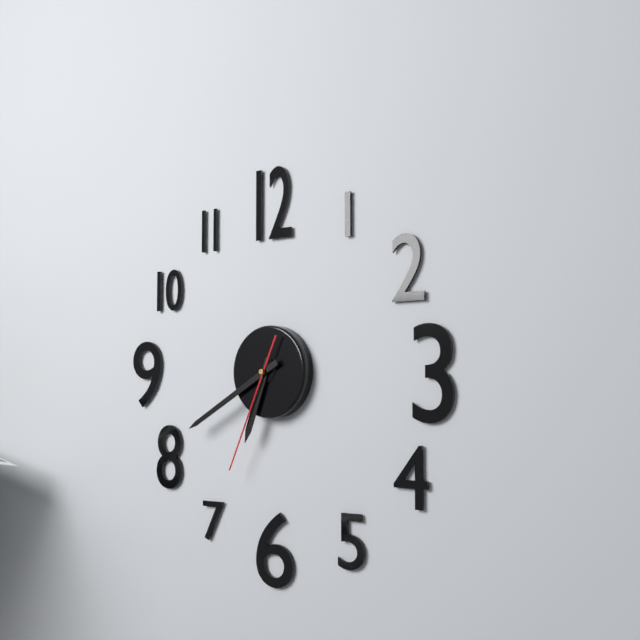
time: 6:40:34
